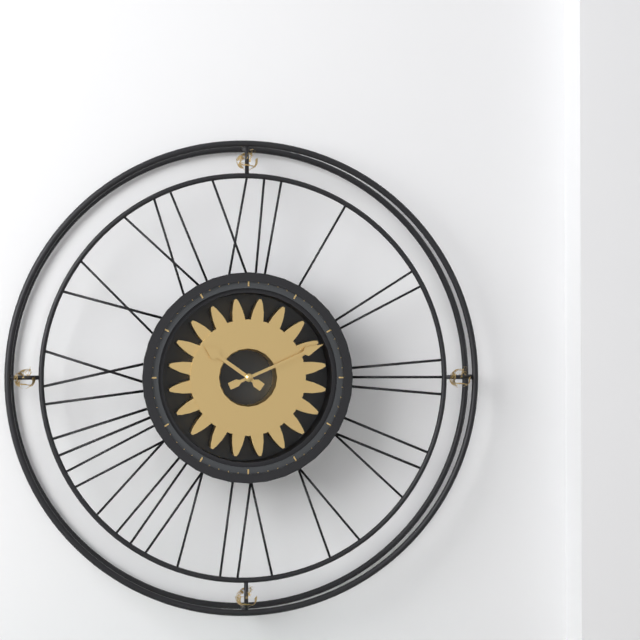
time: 10:11
